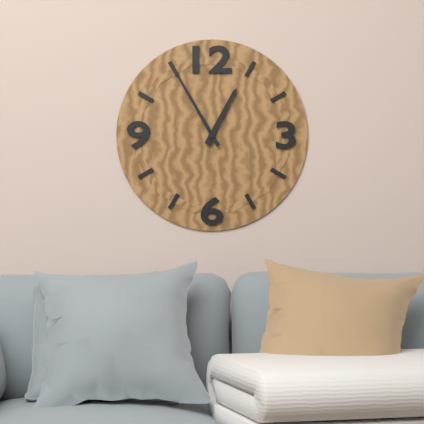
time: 12:55
